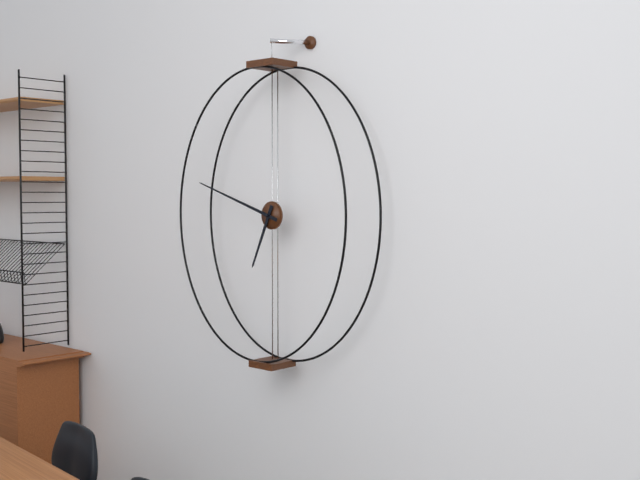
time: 6:48
